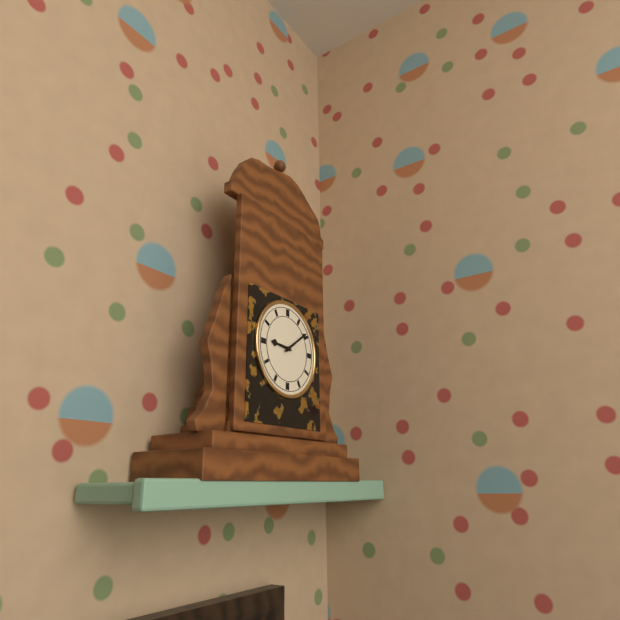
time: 9:09
